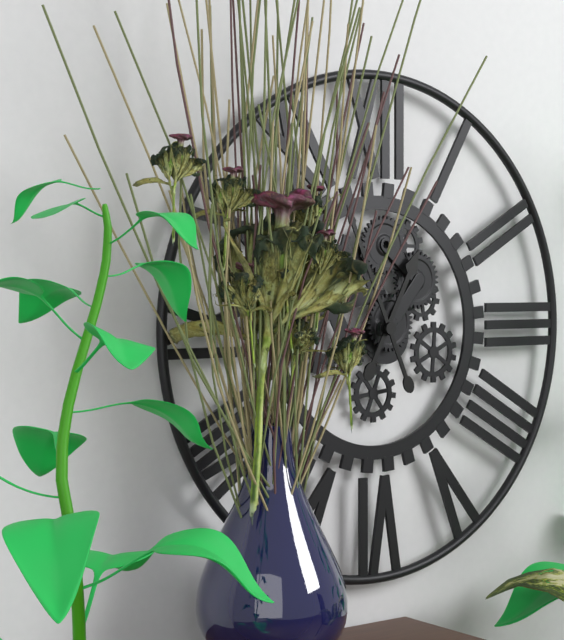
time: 12:56
